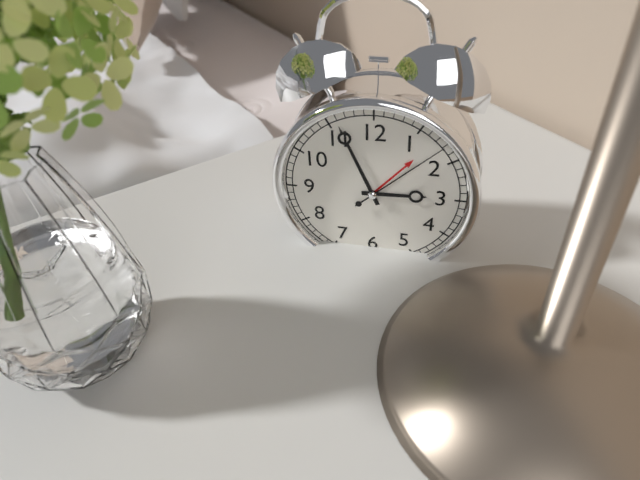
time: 2:56:08
